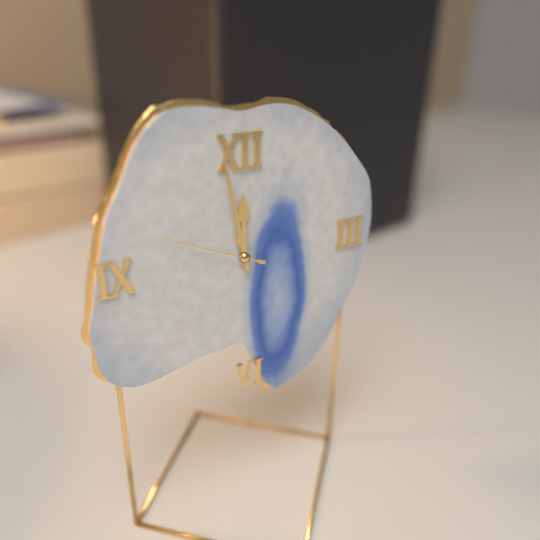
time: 11:58:49
